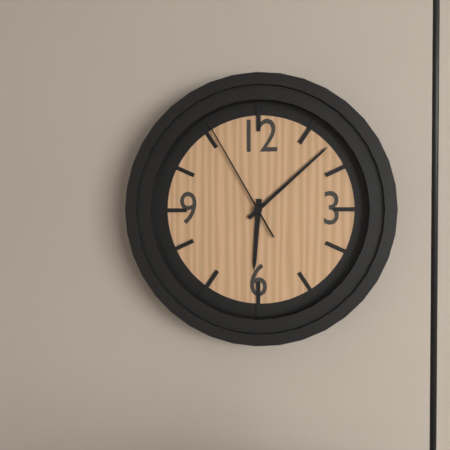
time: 6:08:55
